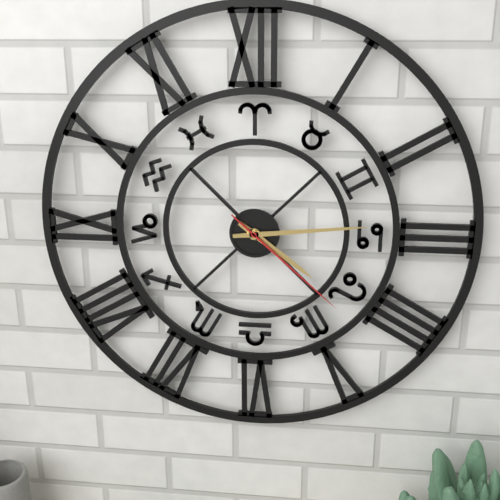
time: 4:14:22
